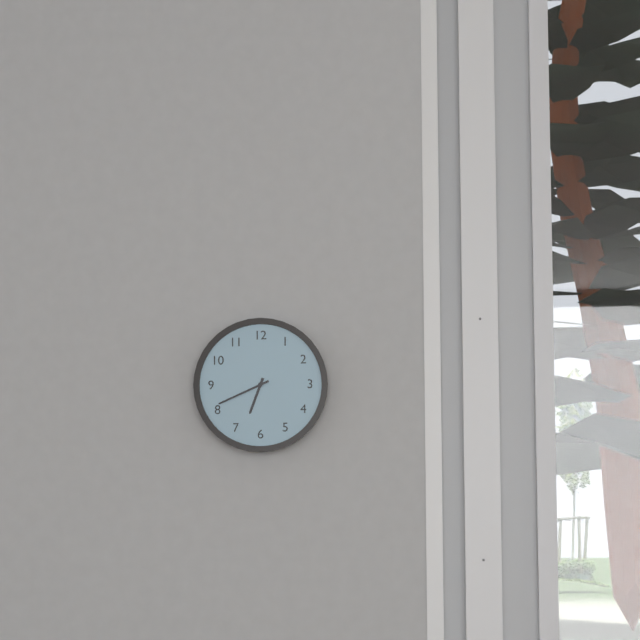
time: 6:41
